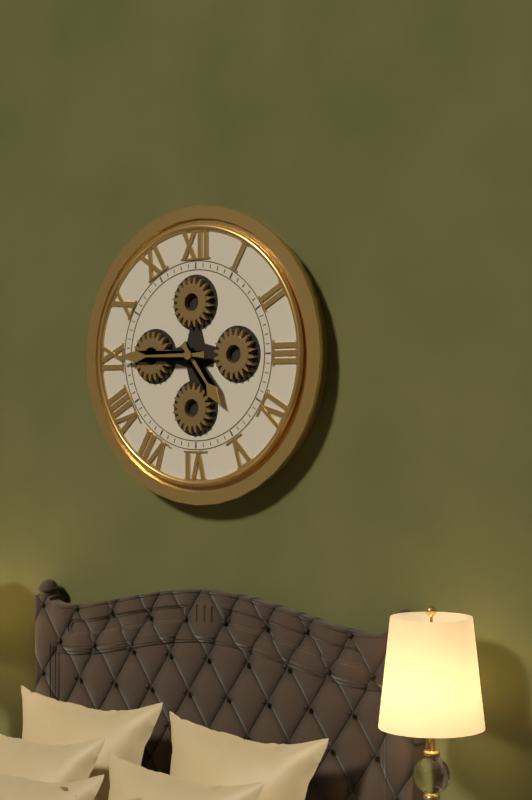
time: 4:45
